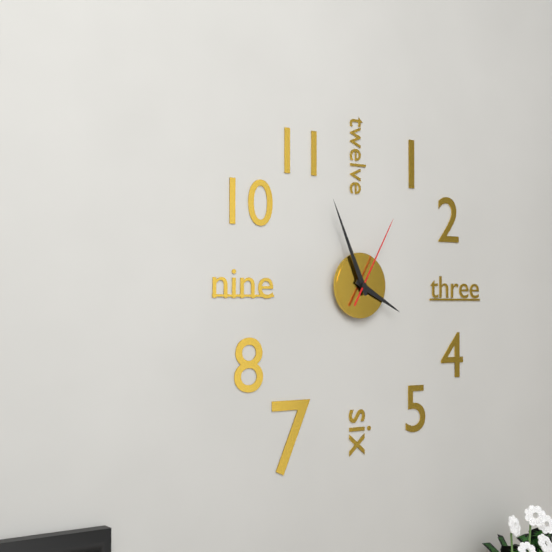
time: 3:56:05
